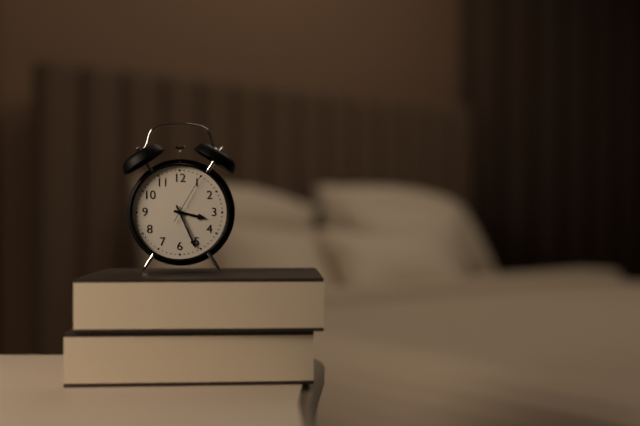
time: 3:26:05
